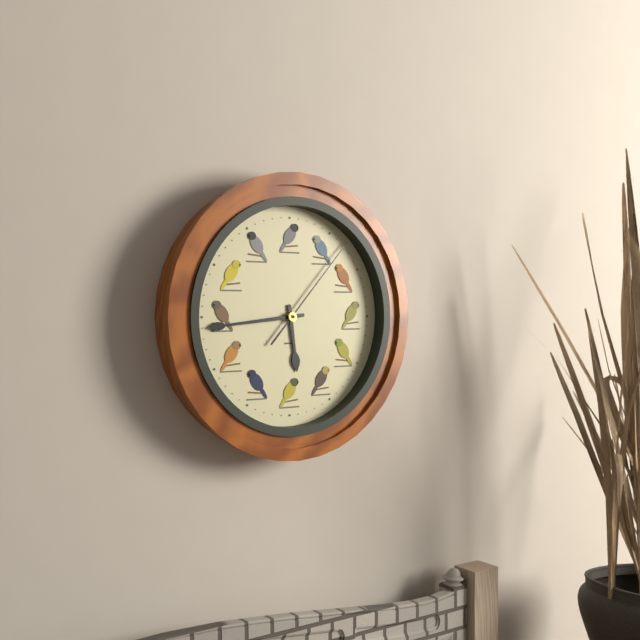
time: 5:44:07
